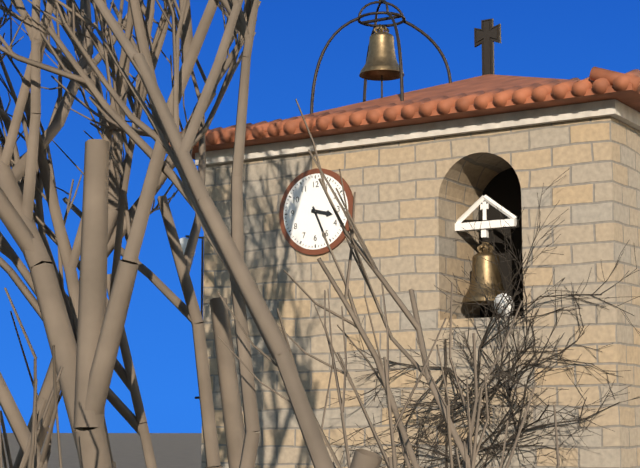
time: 3:26
